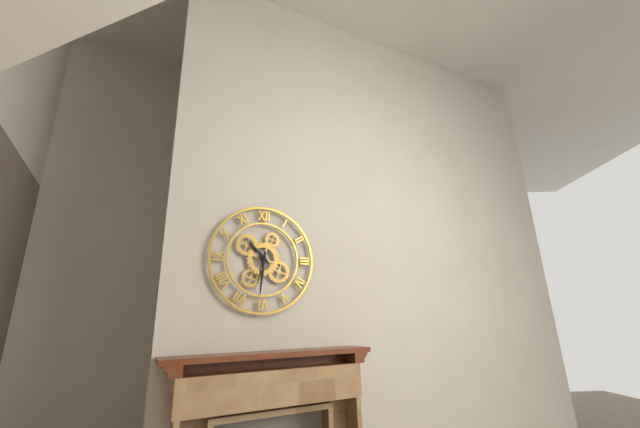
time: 10:31
